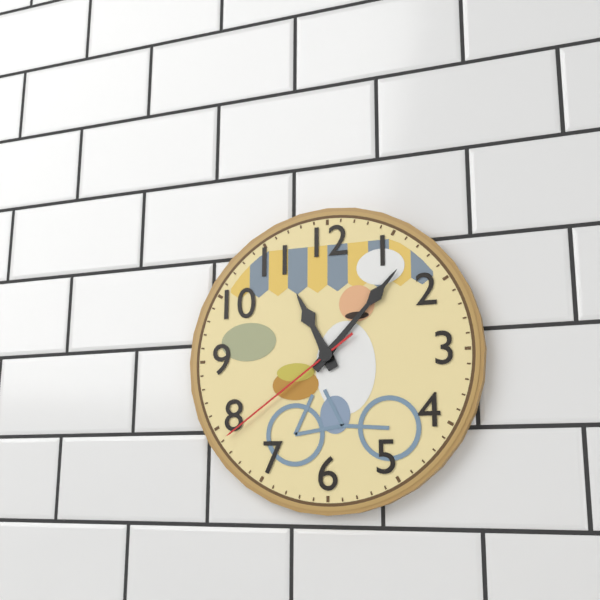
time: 11:07:39
